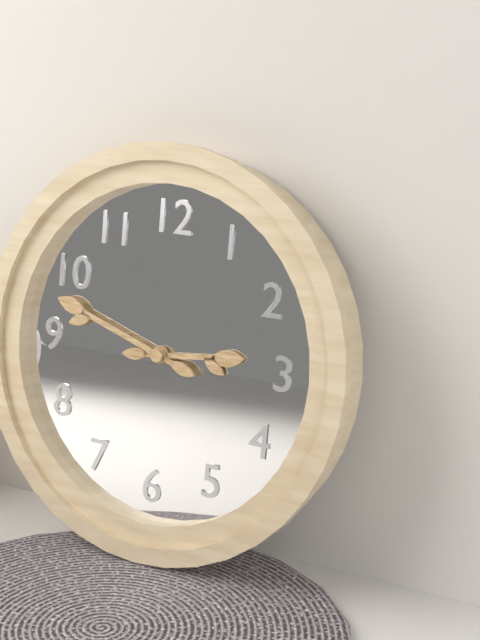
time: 2:48
